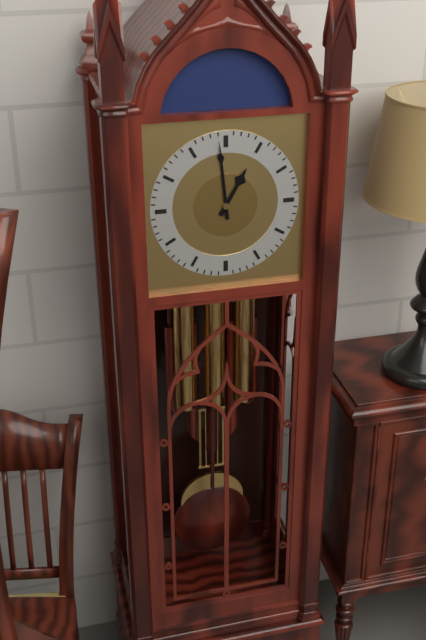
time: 12:59
